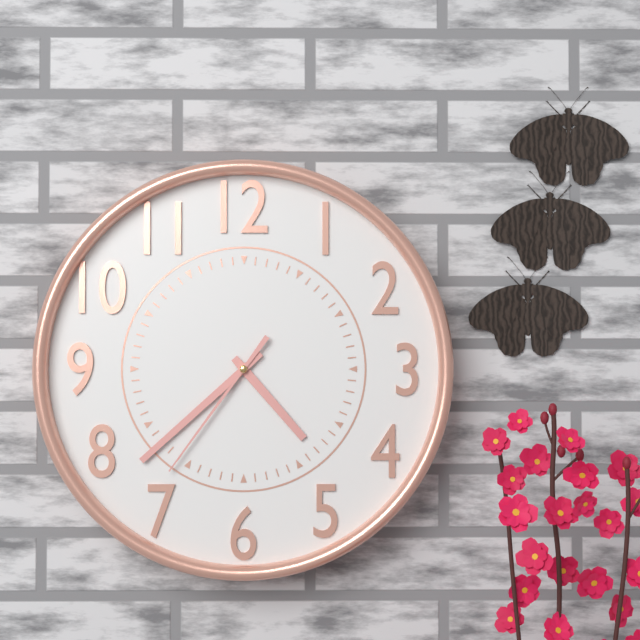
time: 4:38:36
